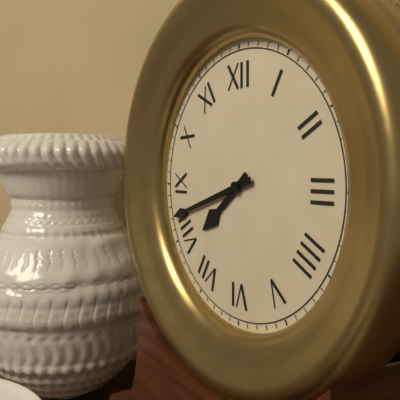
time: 7:42
